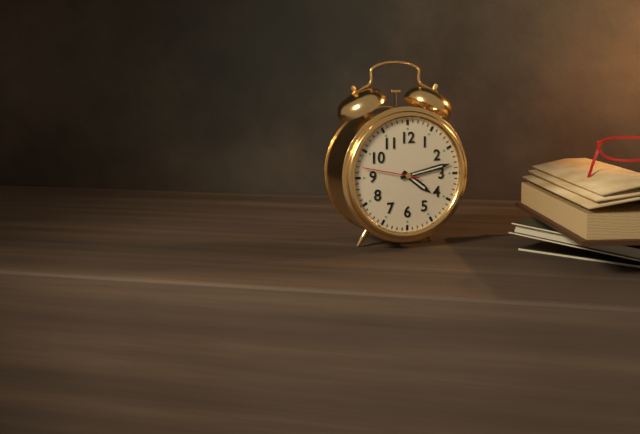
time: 4:13:47
